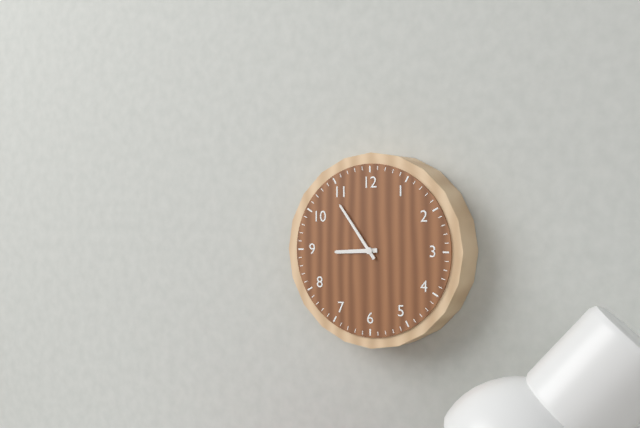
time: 8:54
